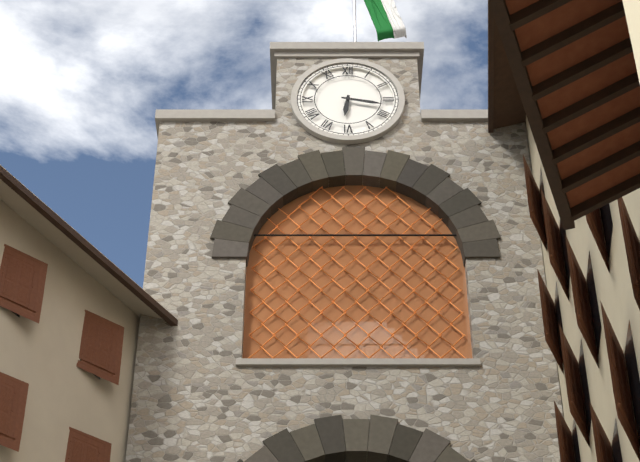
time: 6:17
